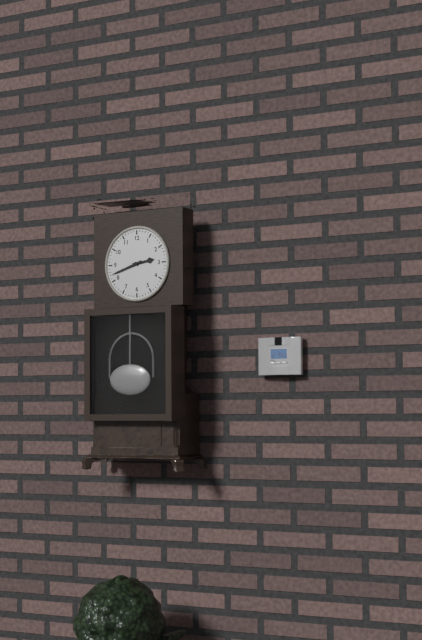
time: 2:42
